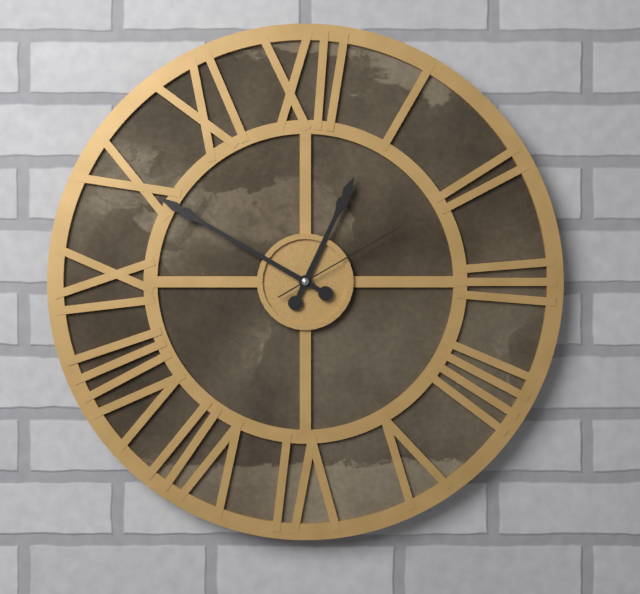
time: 12:50:10
